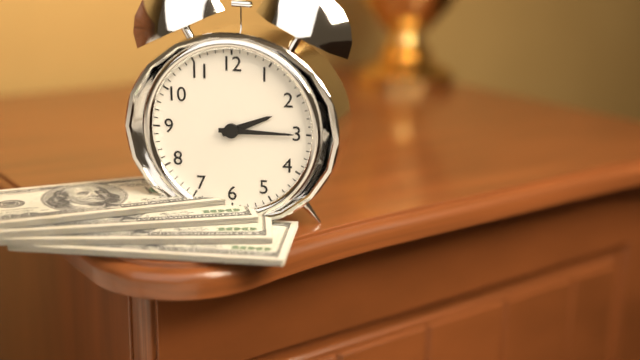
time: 2:15
